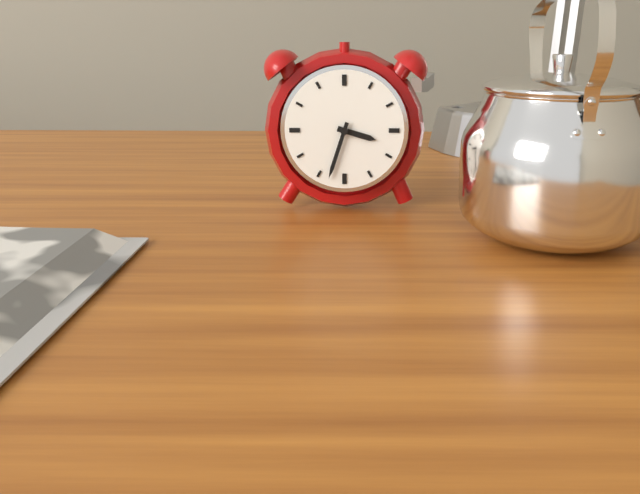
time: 3:33
